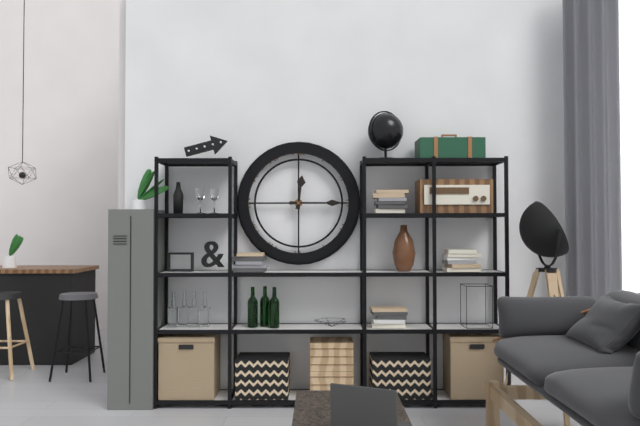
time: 12:15
